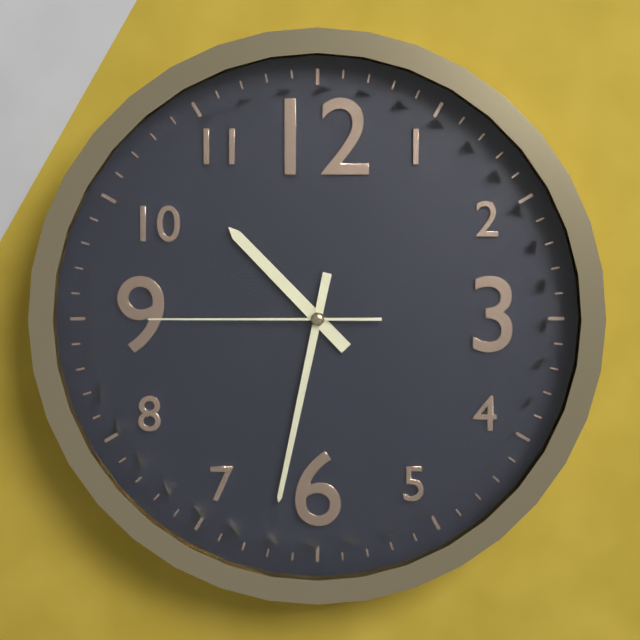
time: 10:32:45
